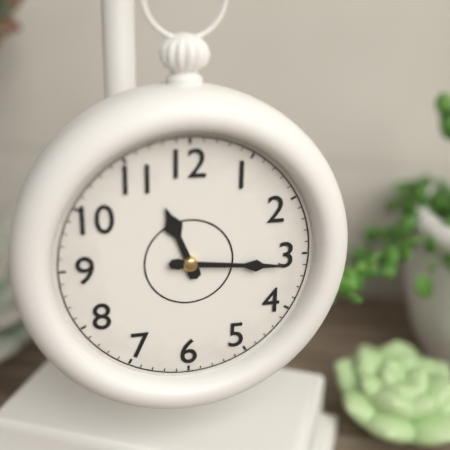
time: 11:16
